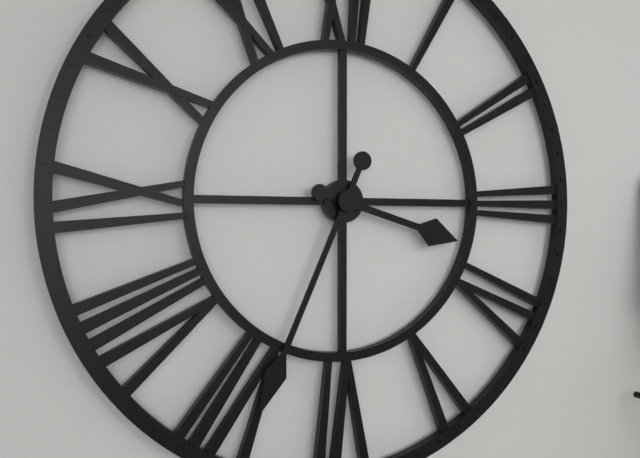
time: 3:34
